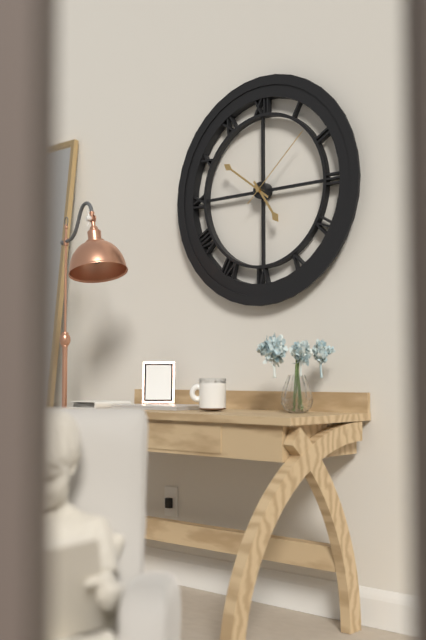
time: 4:51:08
